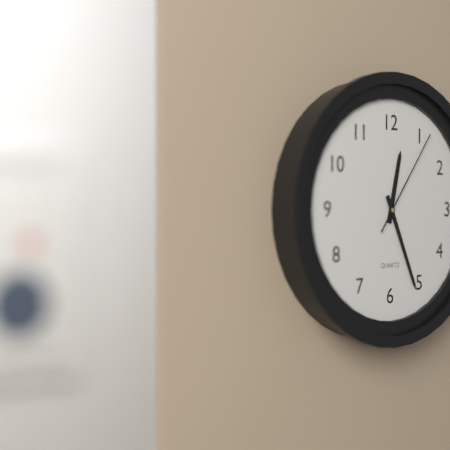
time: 12:26:06
